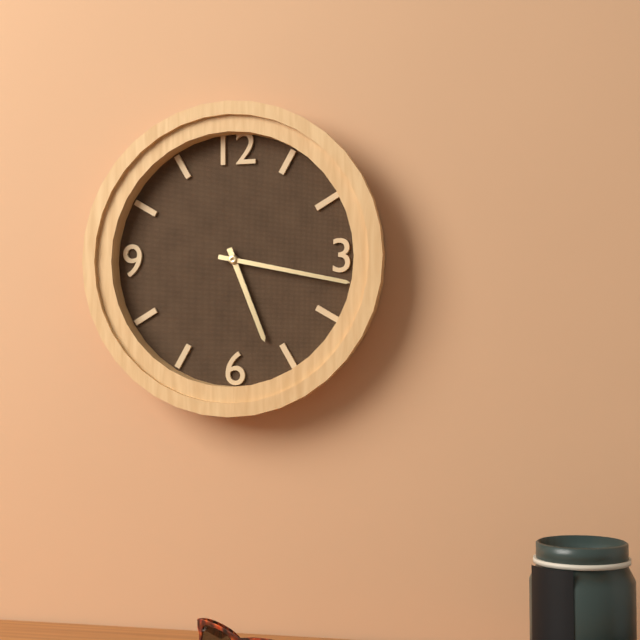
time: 5:17
